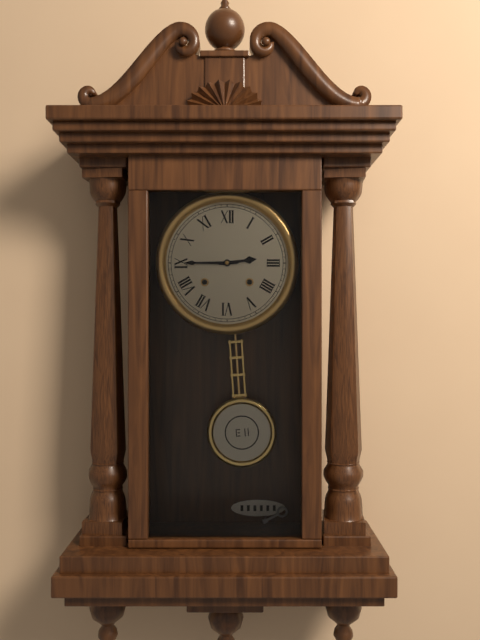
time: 2:45
